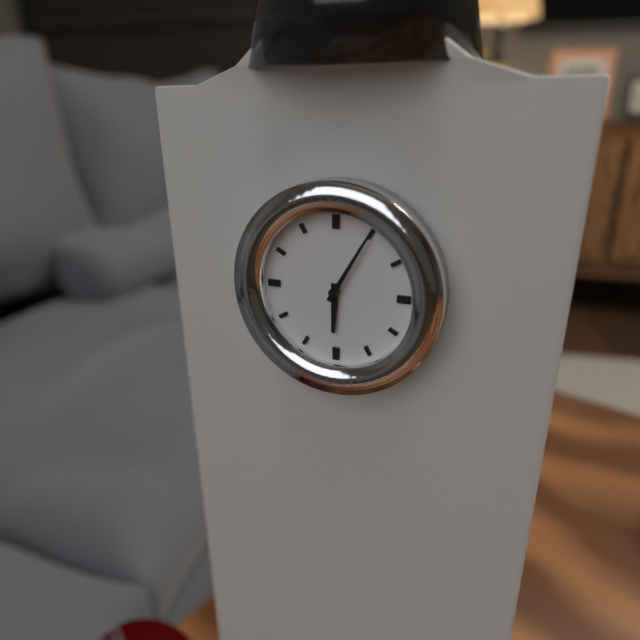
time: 6:05
